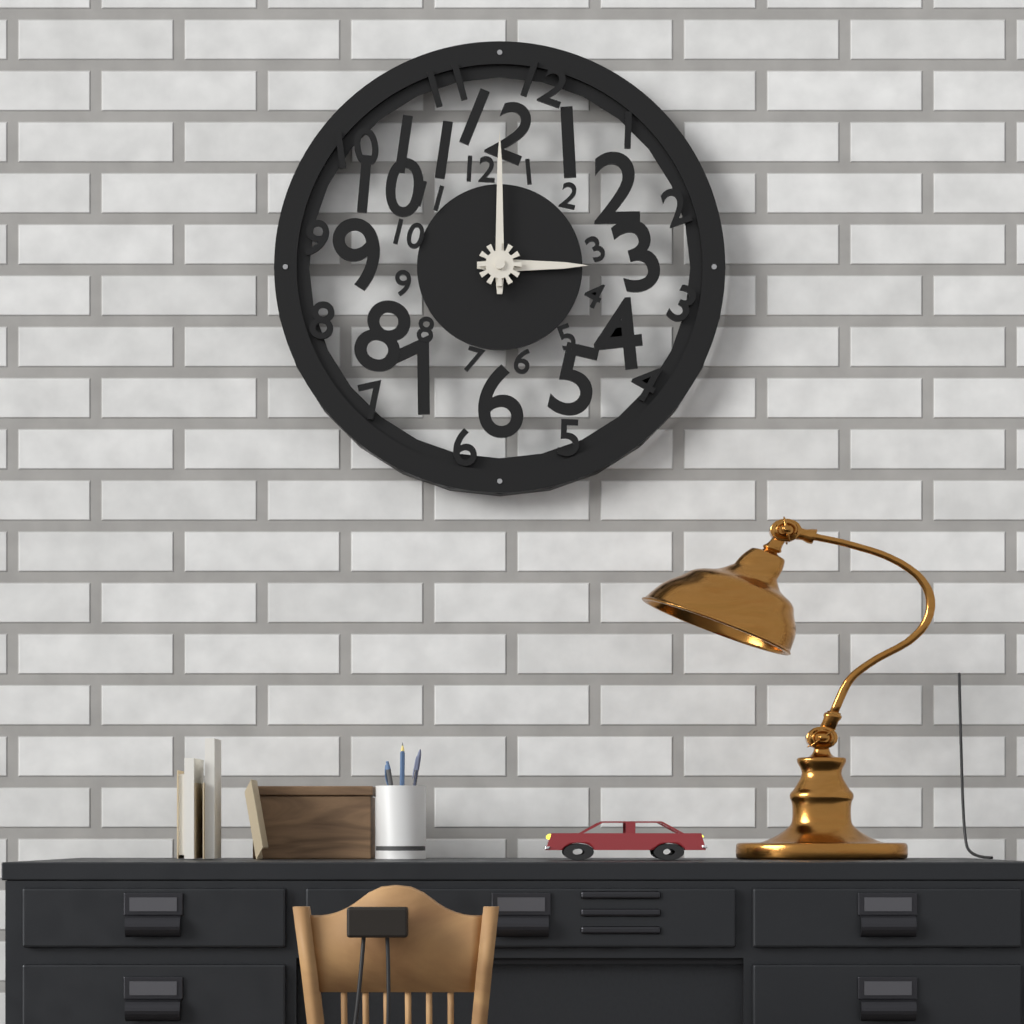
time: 3:00
